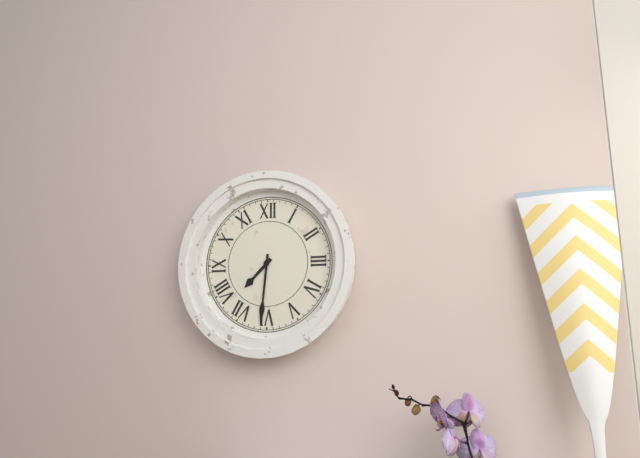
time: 7:31
